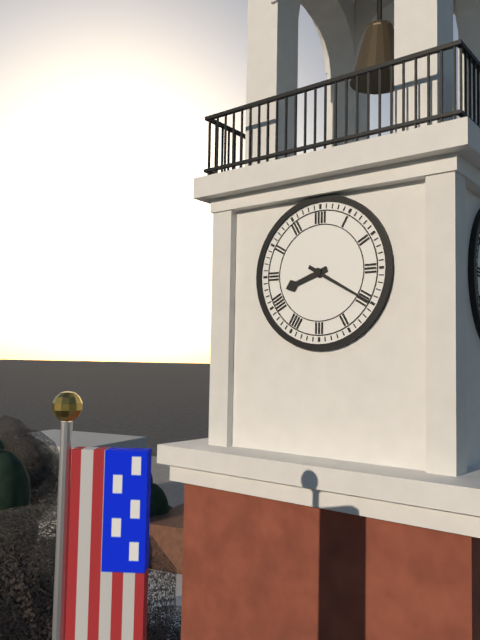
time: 8:20
